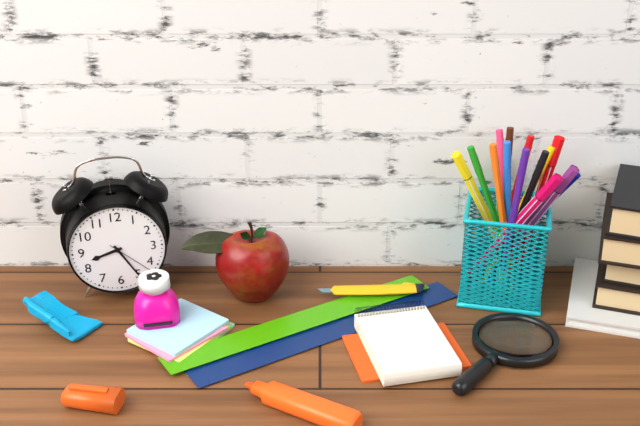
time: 8:25:22
